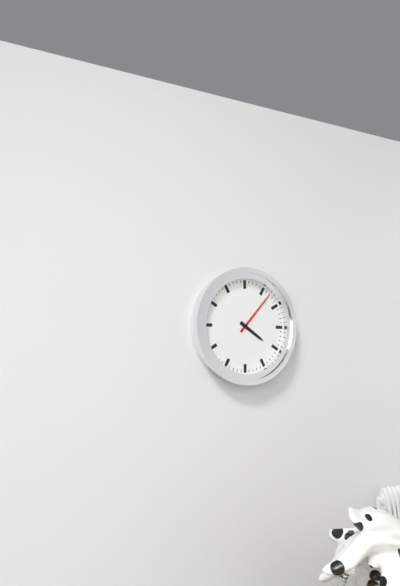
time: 4:07
